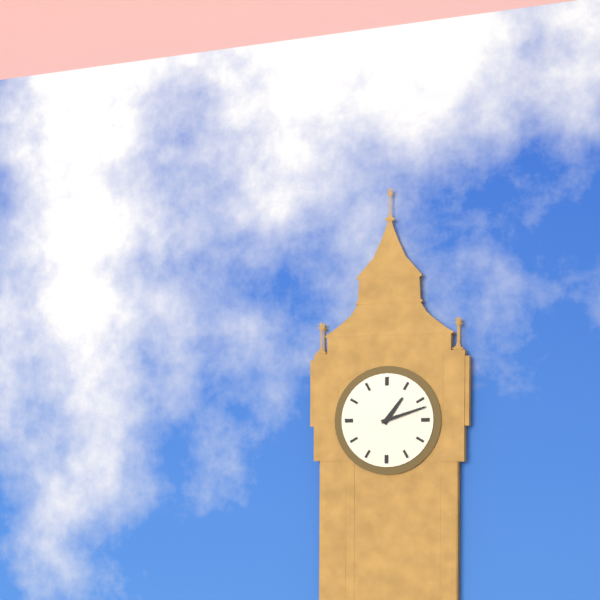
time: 1:12
